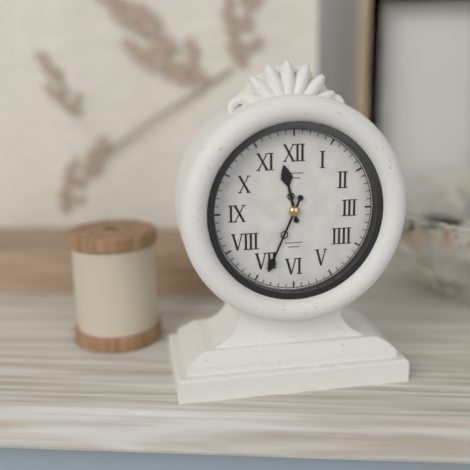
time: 11:34
